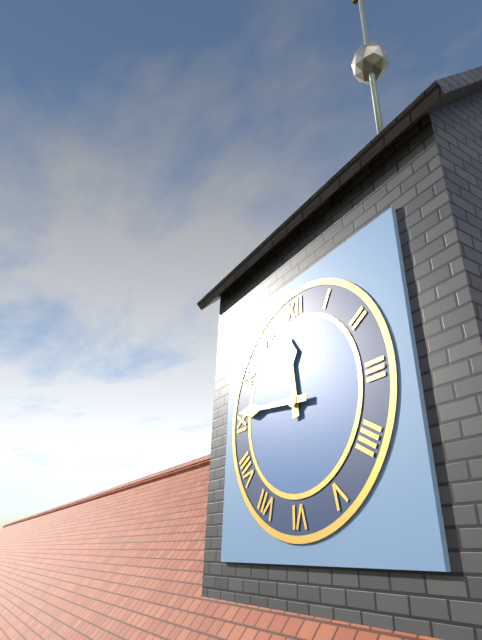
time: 11:46
